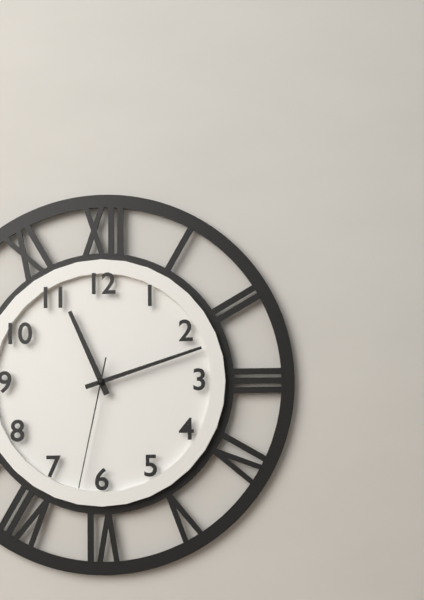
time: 11:12:32
